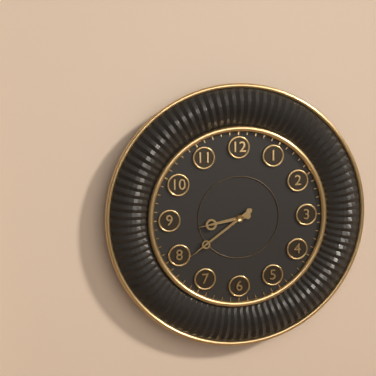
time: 8:39
